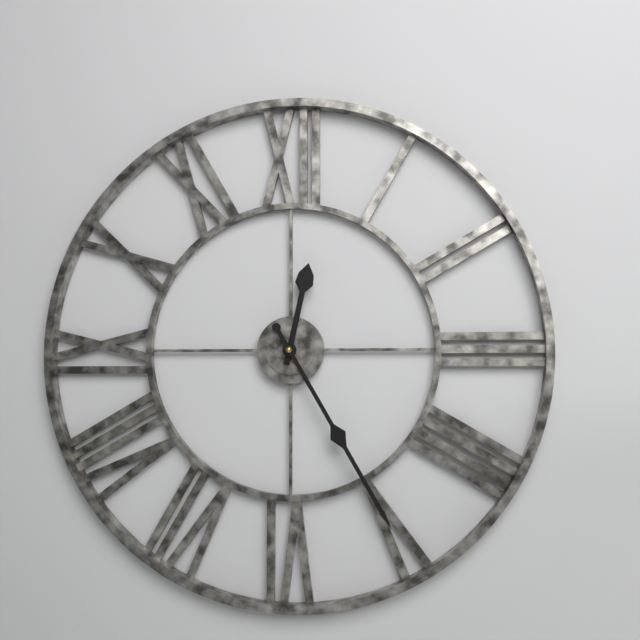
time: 12:25
